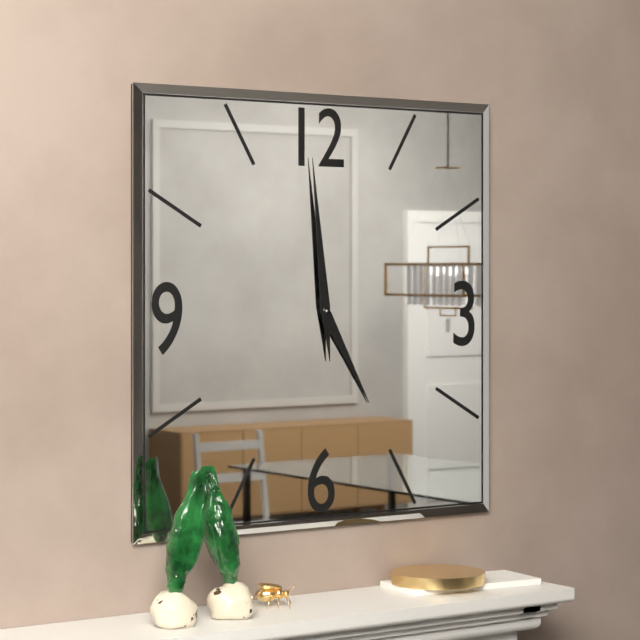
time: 4:59
